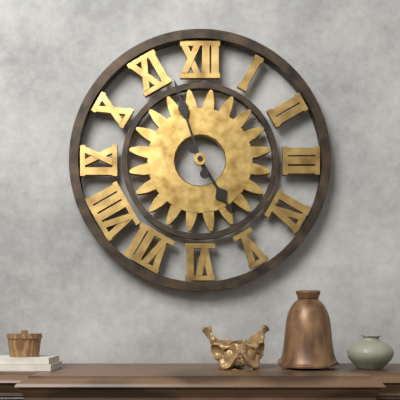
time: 4:57
